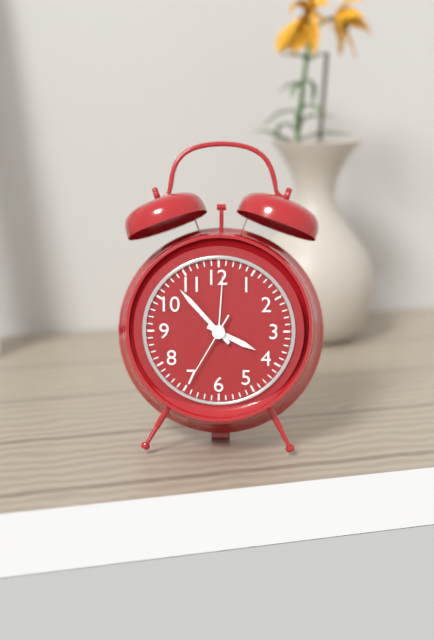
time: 3:53:35
